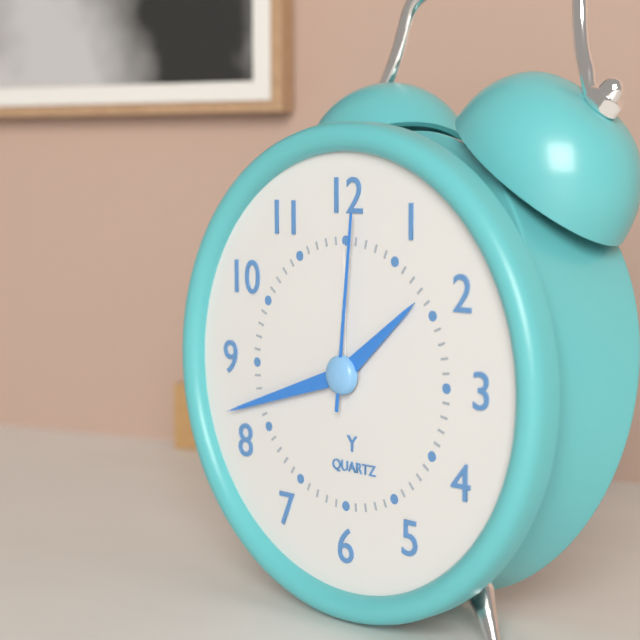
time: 1:42:01
